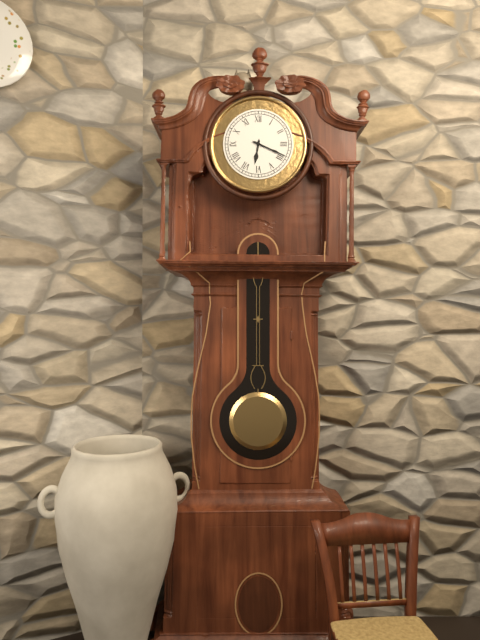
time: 6:19
